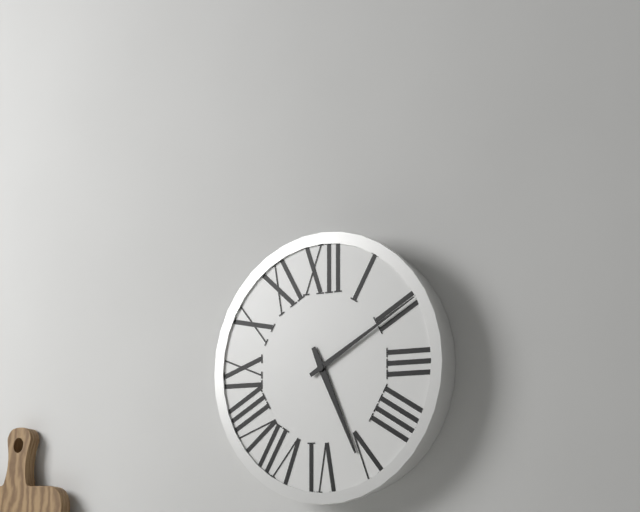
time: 5:10
